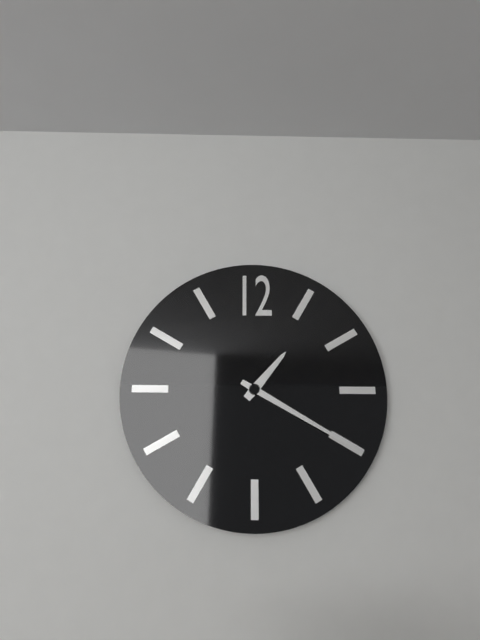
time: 1:20
